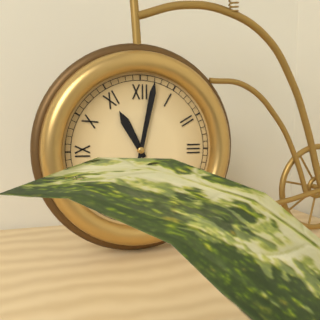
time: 11:02
